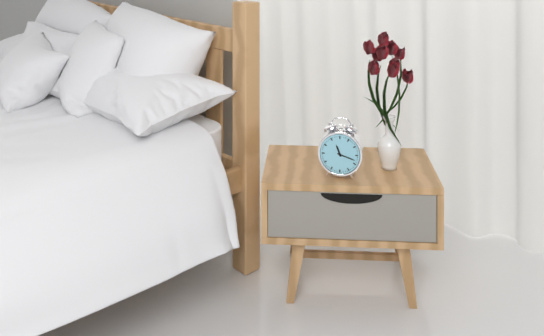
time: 11:18
